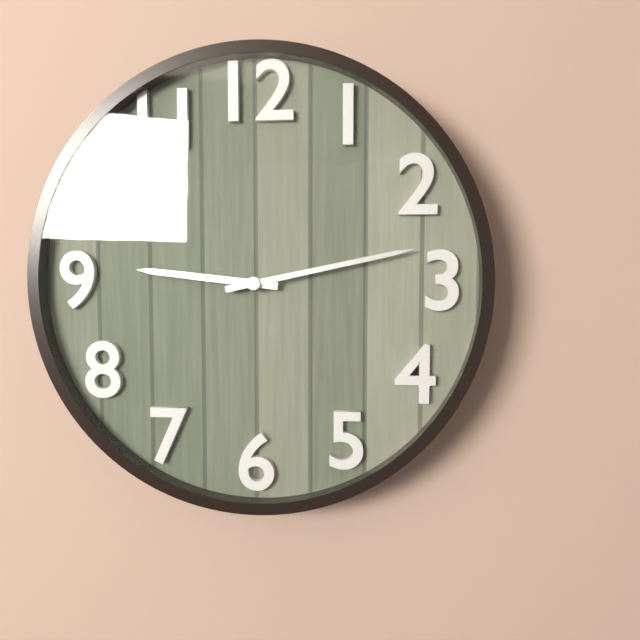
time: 9:13
